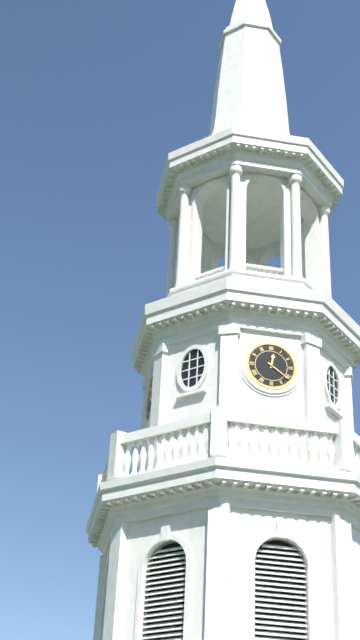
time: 12:21
